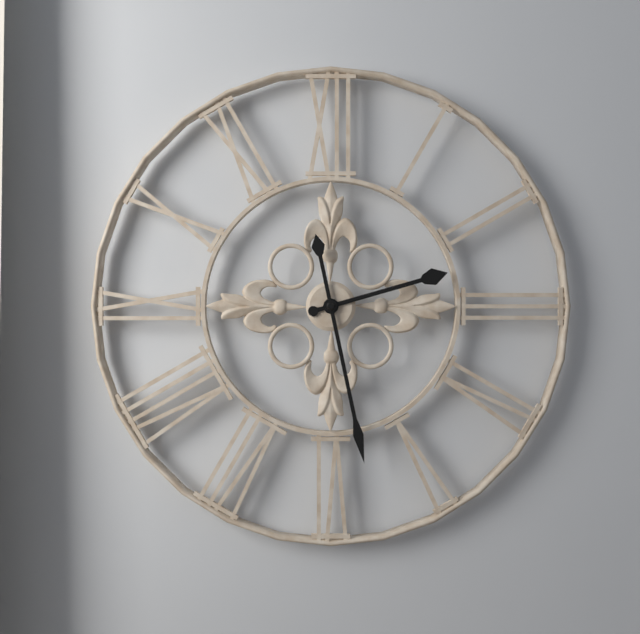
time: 2:28
